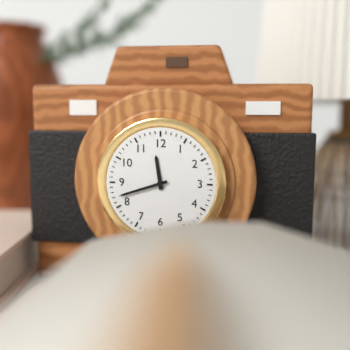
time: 11:42
